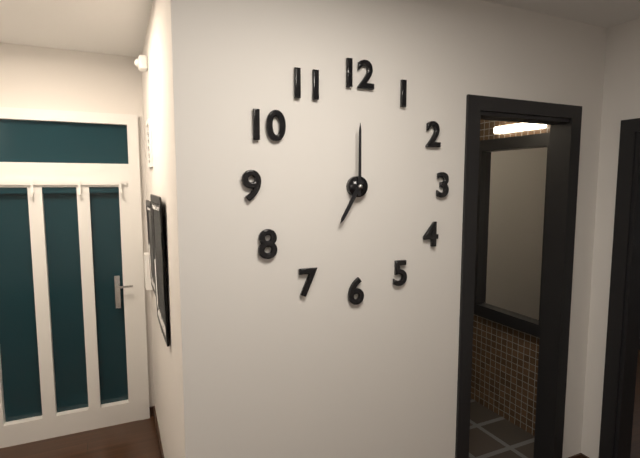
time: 7:00
